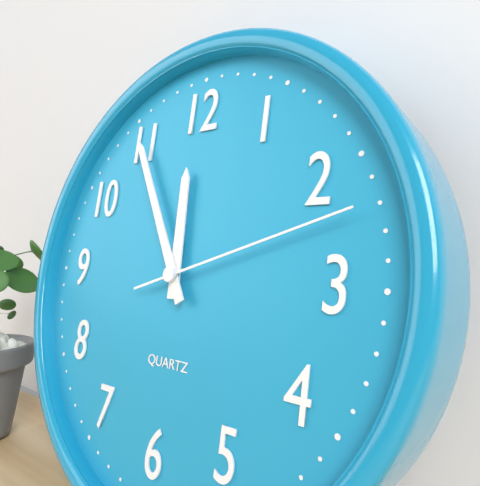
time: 11:55:12
